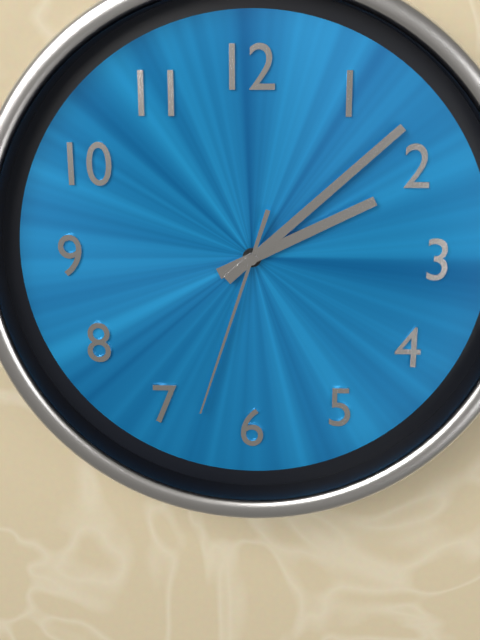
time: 2:08:33
